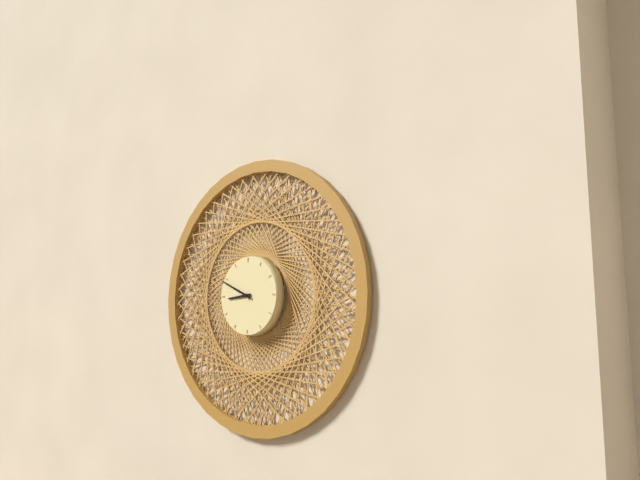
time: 8:49
